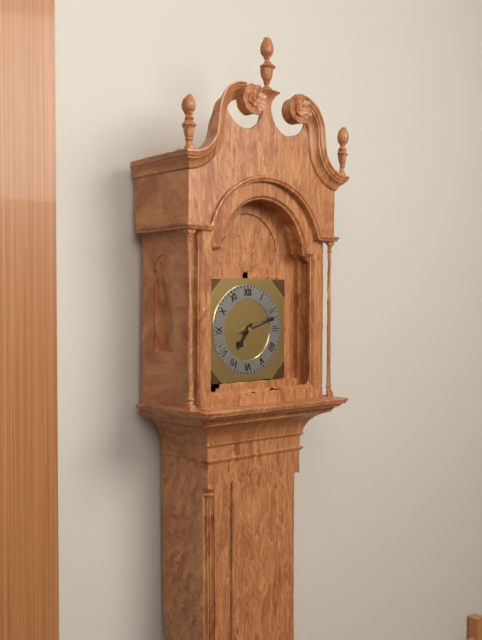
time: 7:12
